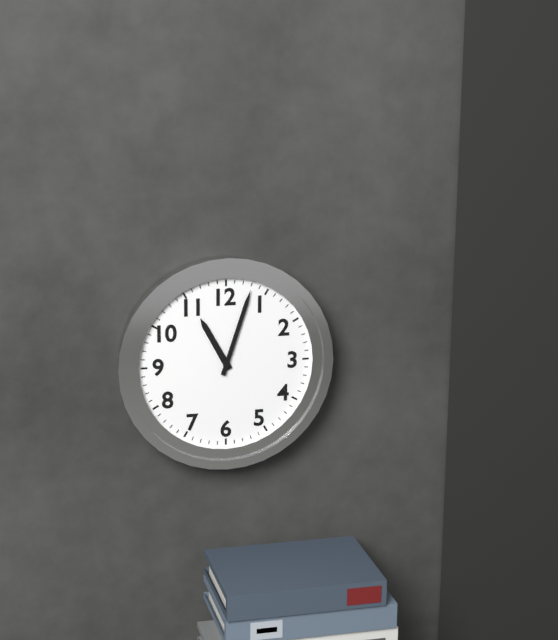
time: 11:03
